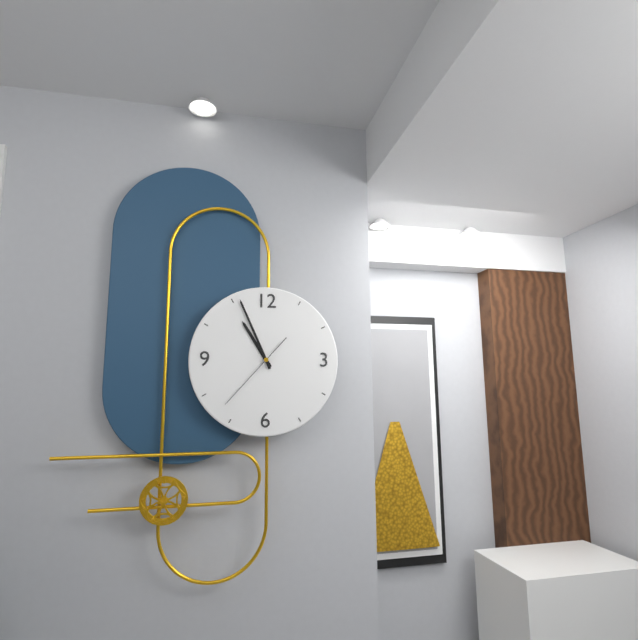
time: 10:56:37
